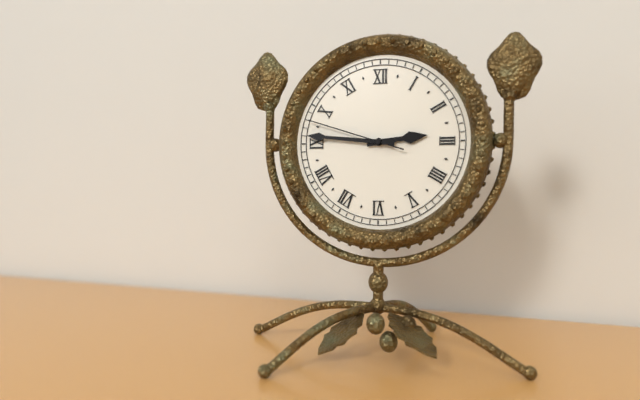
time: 2:46:48
